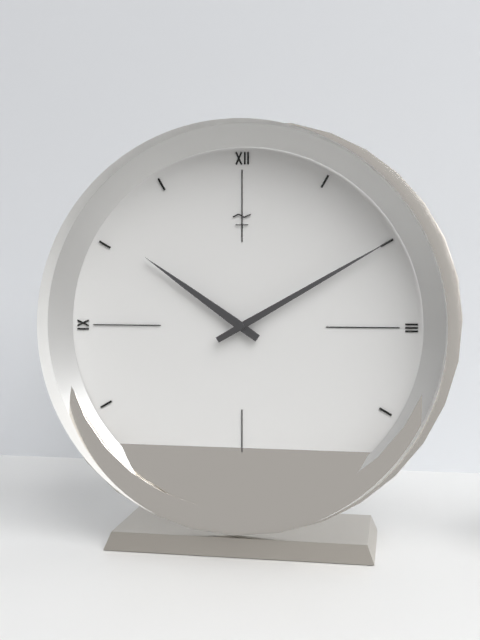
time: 10:10
